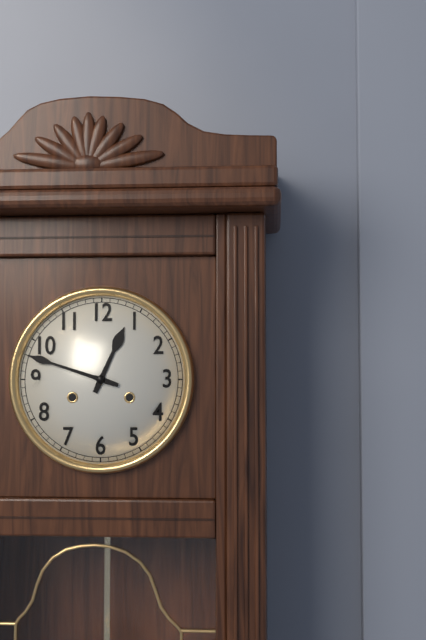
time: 12:48
